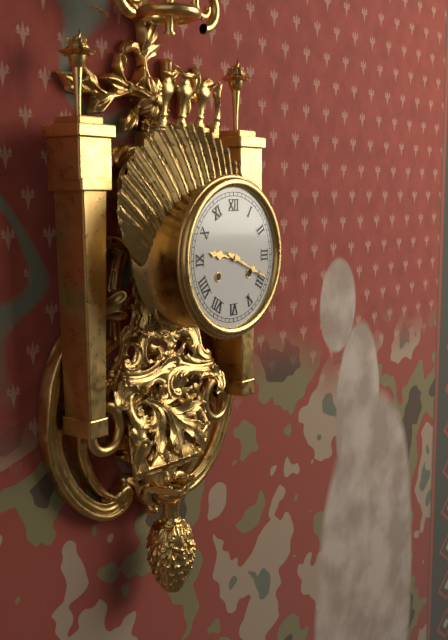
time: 9:19
